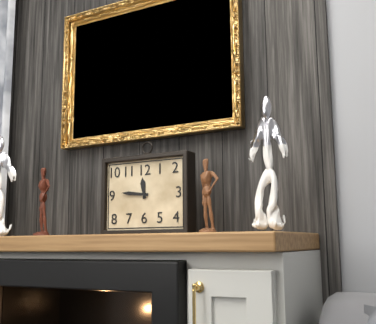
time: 11:46
